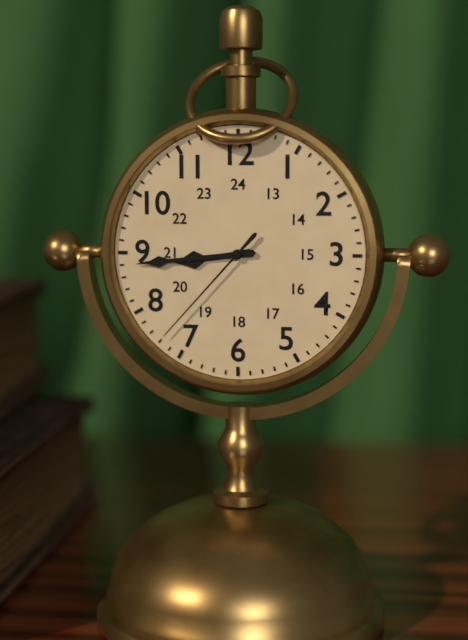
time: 8:44:37
